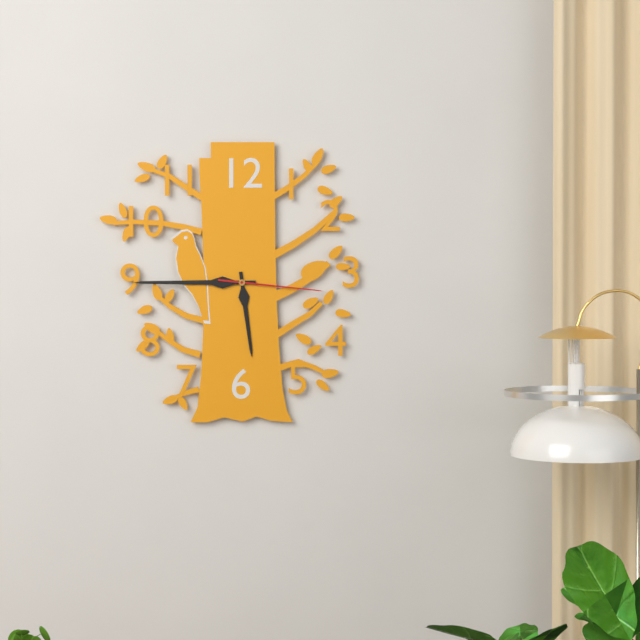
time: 5:45:16
